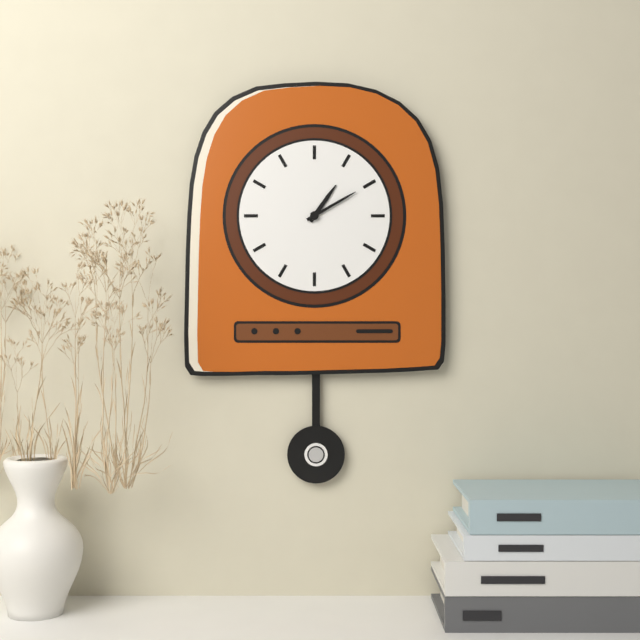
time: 1:10
